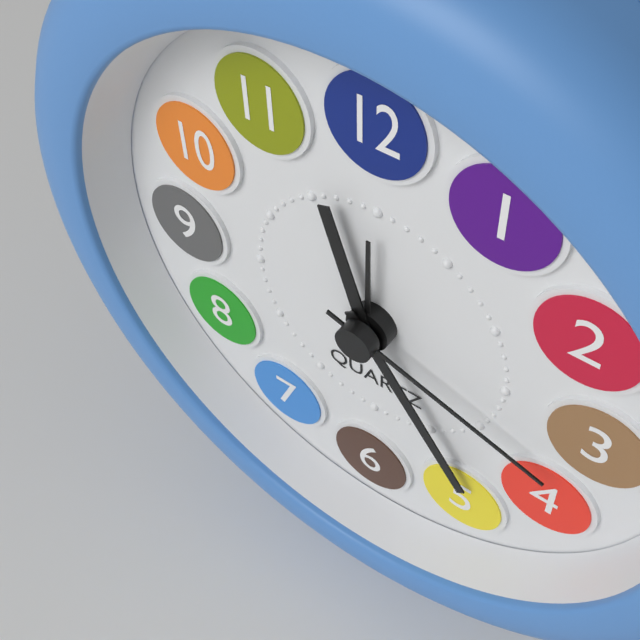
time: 11:24:18
